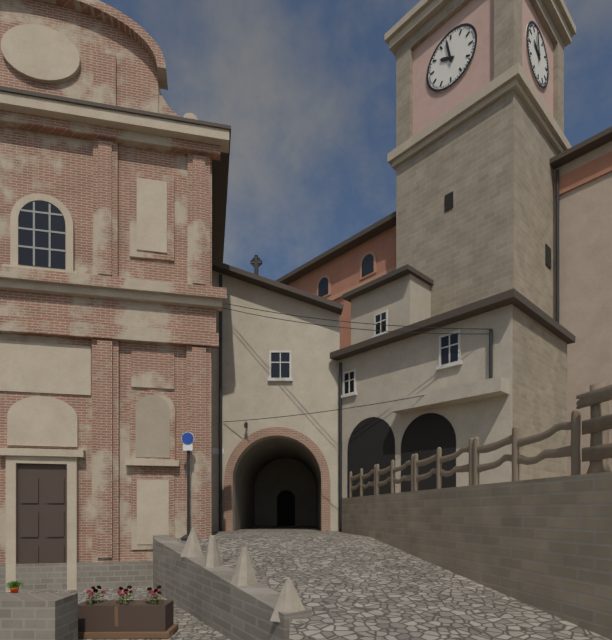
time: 9:58
